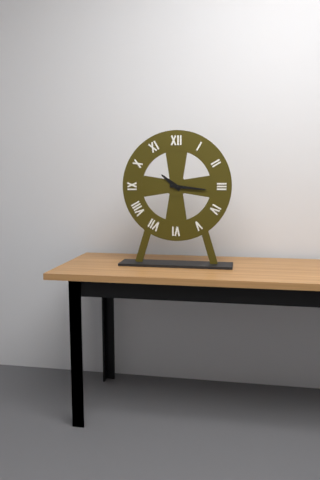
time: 10:16
